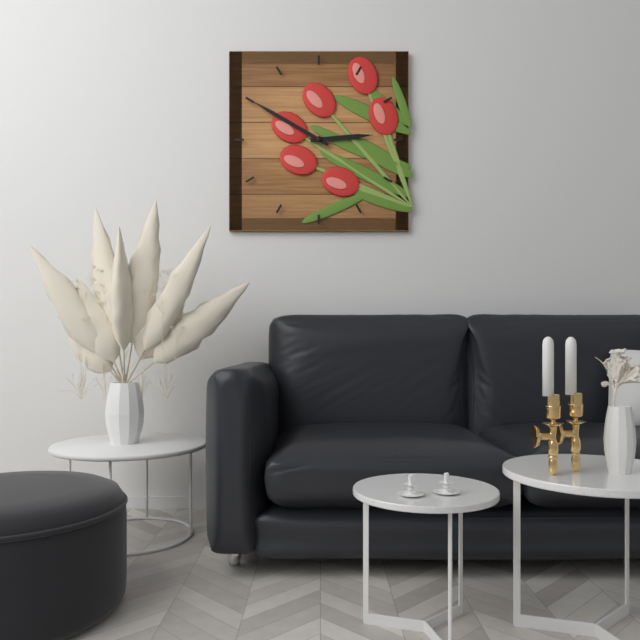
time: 2:50
